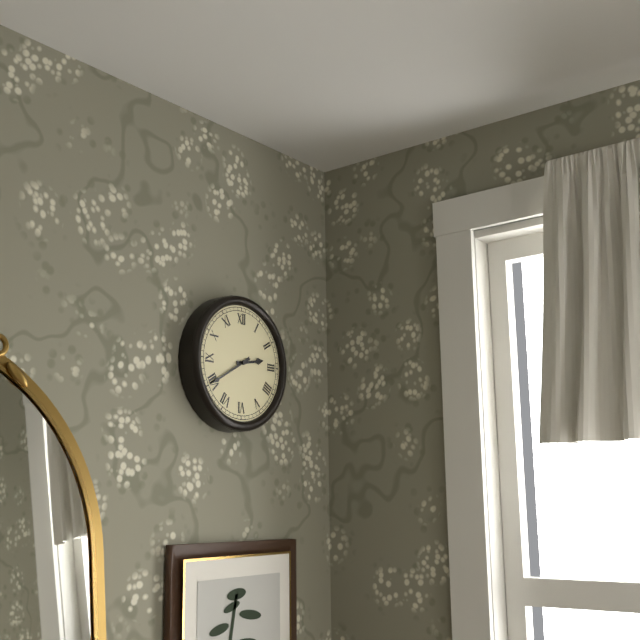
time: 2:40
